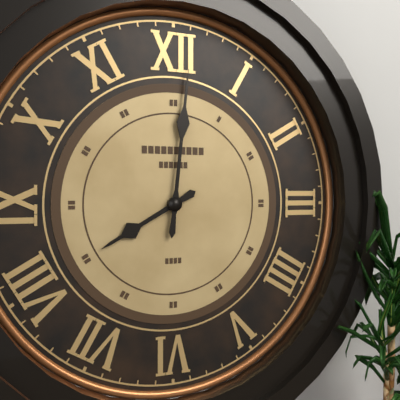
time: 8:01
